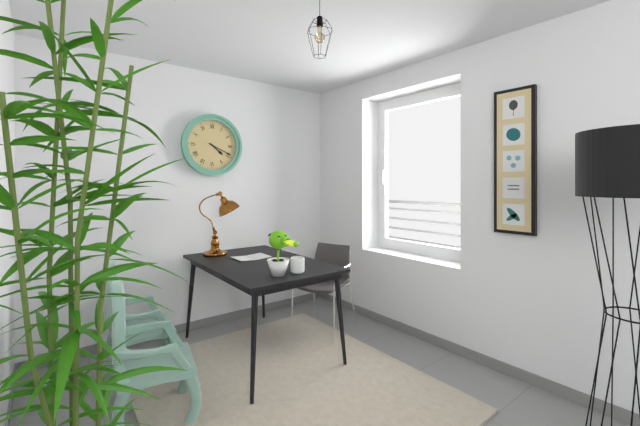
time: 4:19
